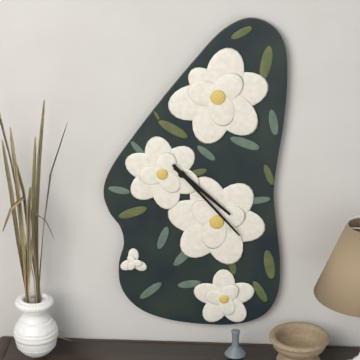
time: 4:23
